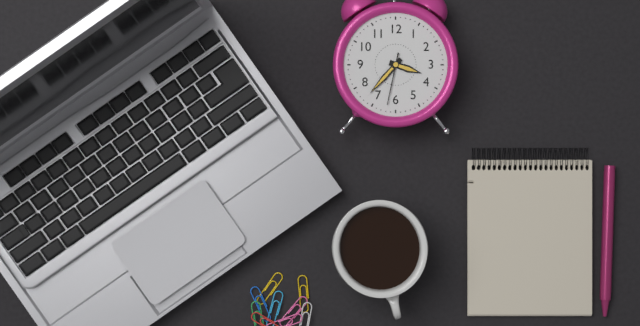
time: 3:37:32
